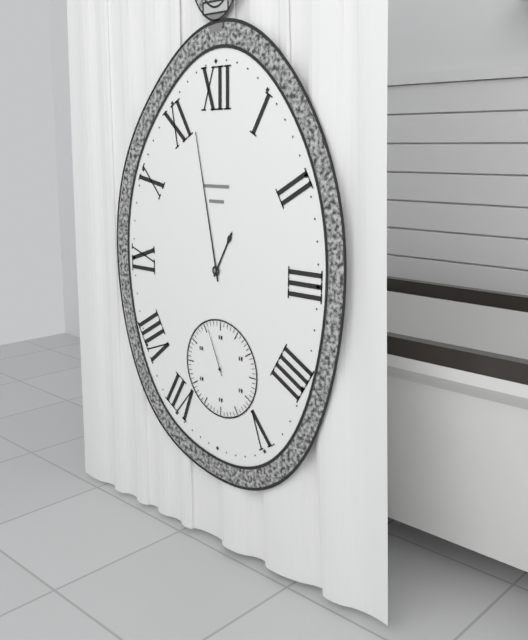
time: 12:58:56
